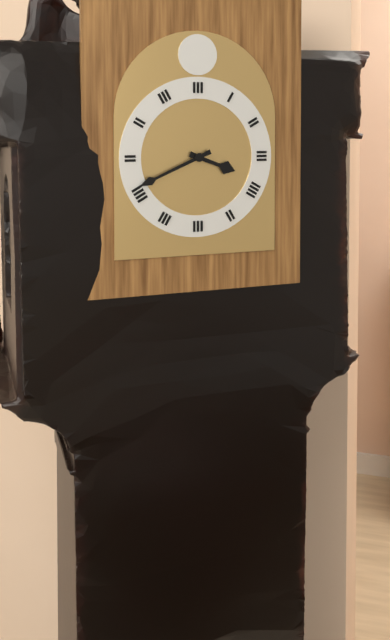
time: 3:41
